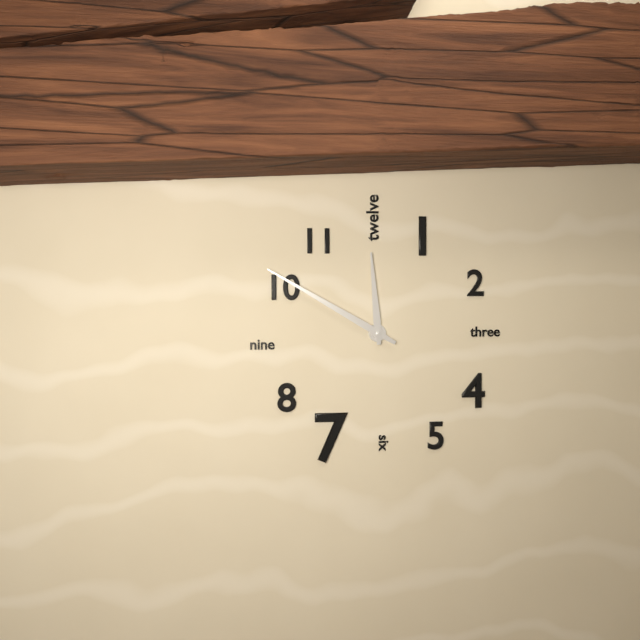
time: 11:50
